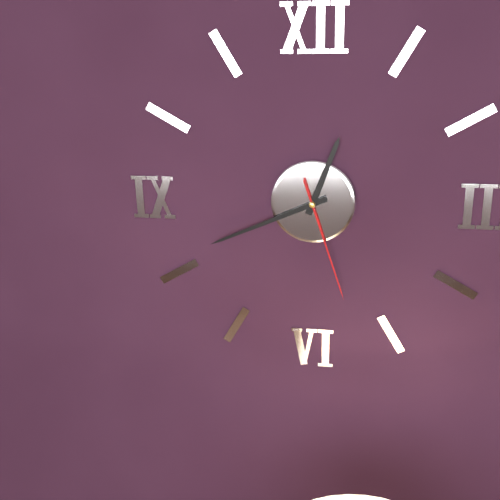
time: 12:41:27
